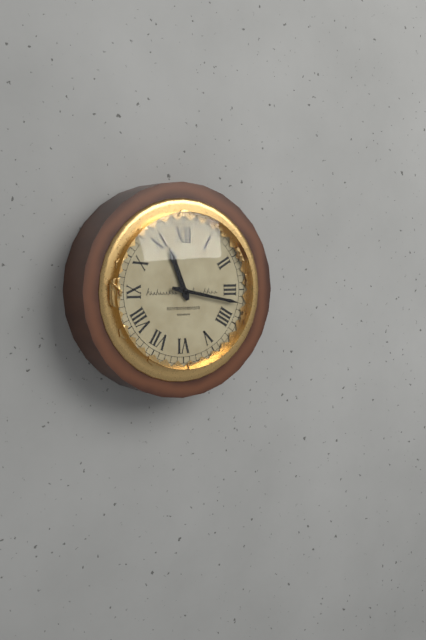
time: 11:17
